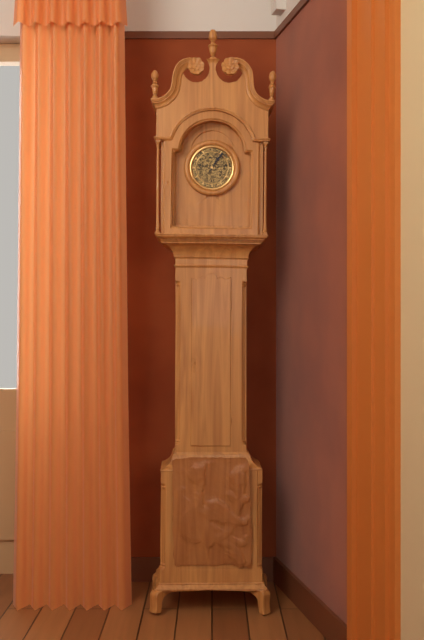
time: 1:06
